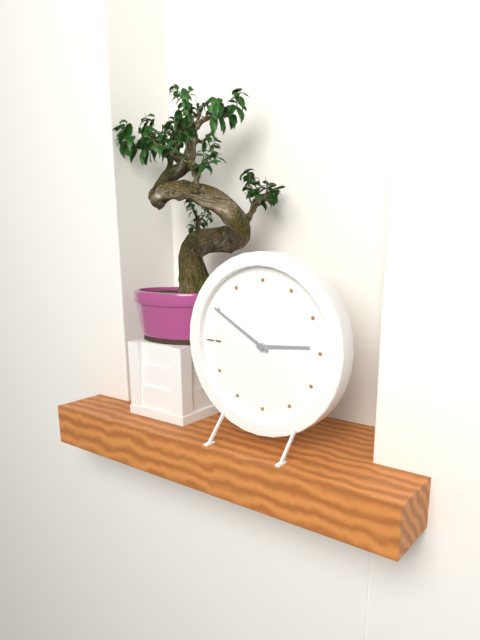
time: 2:50
